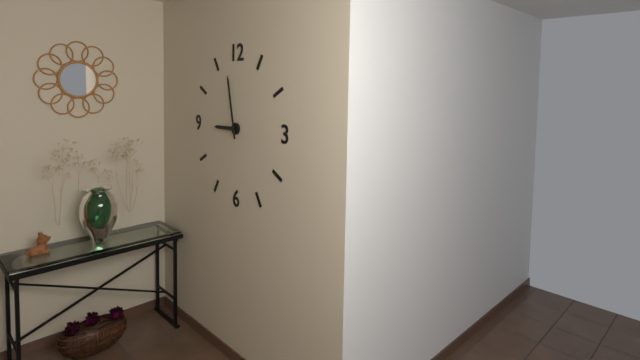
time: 8:58
